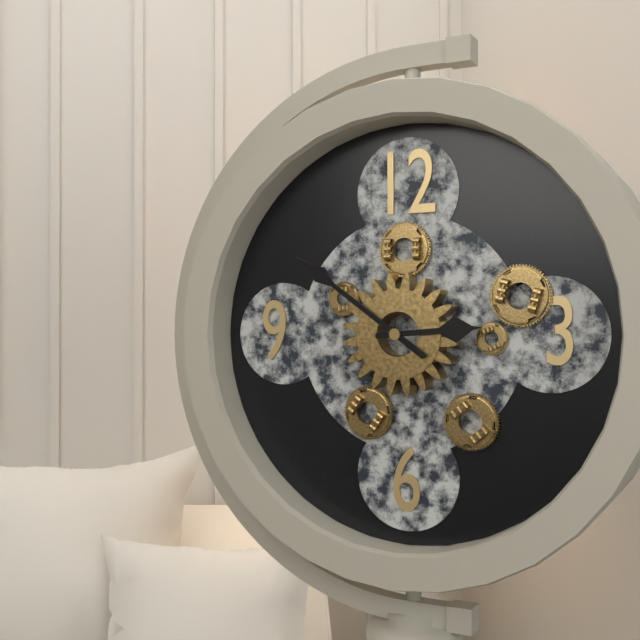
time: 2:51
